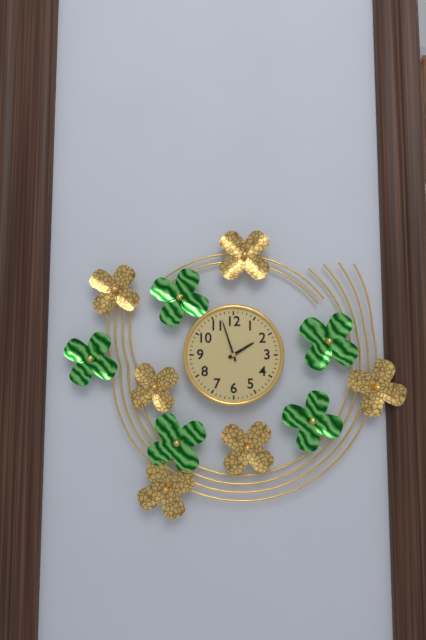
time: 1:57
